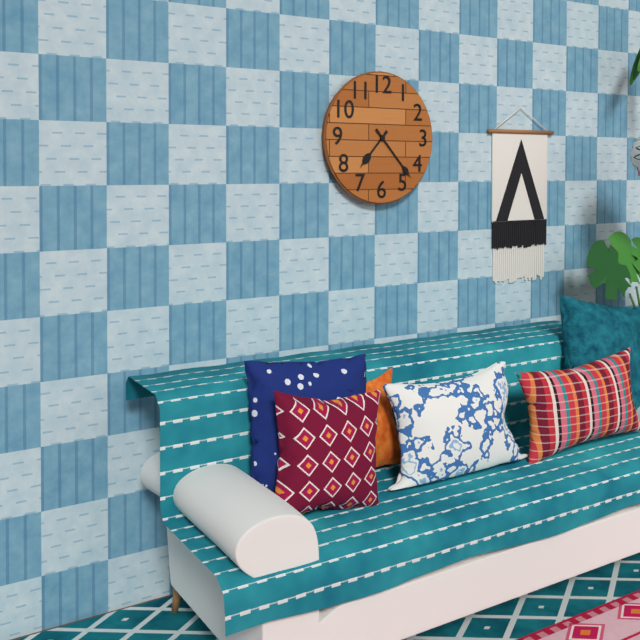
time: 7:23
